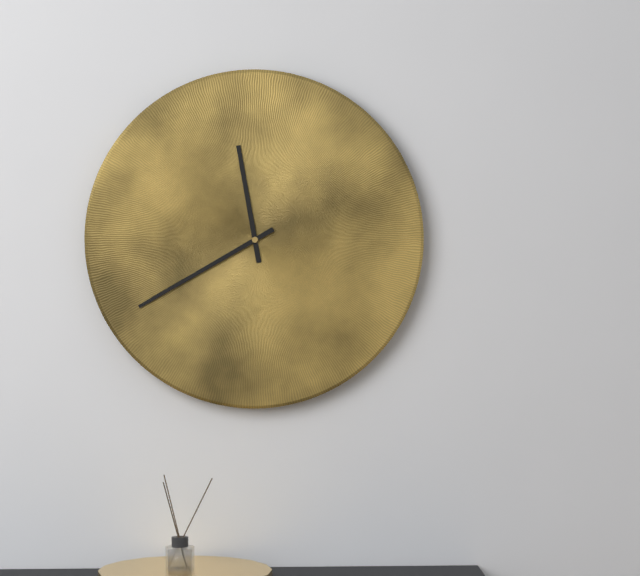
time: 11:40
